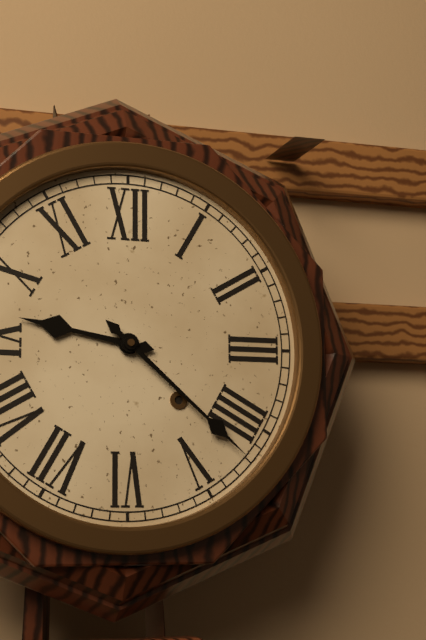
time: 9:22
